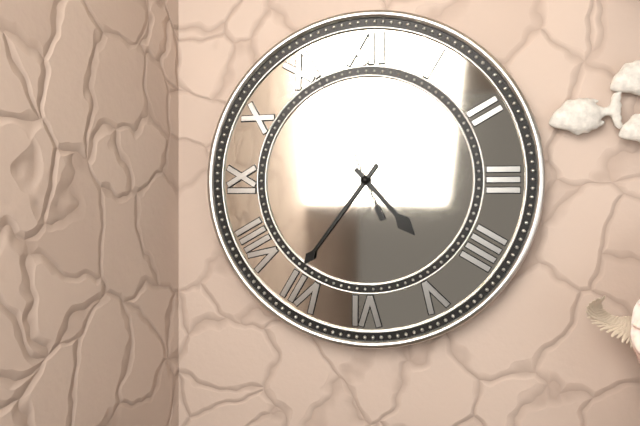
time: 4:36:56
